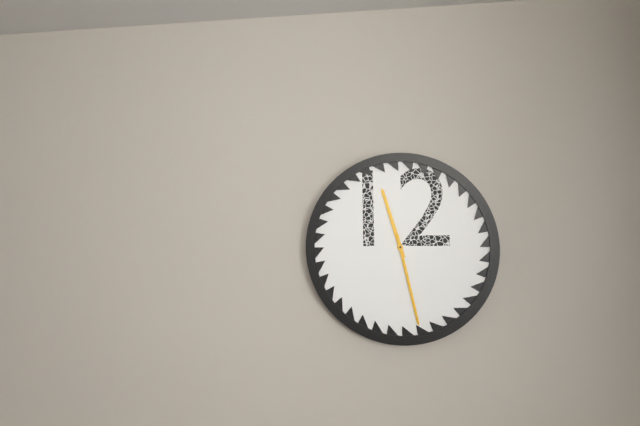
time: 11:28
